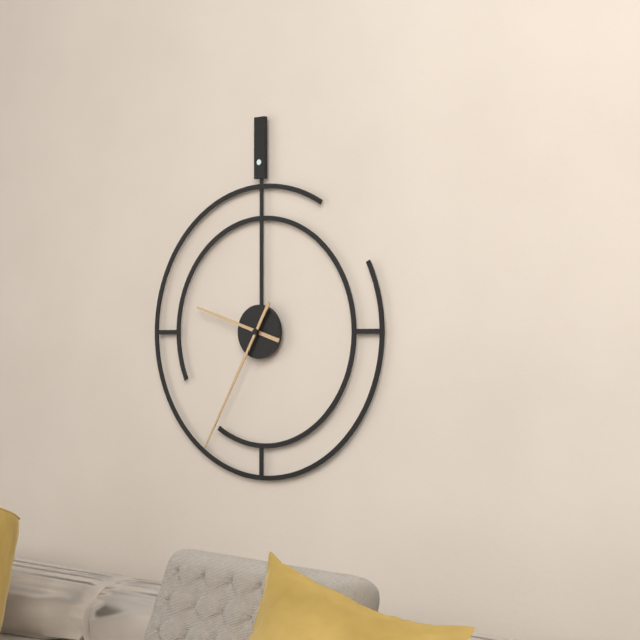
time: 9:35
